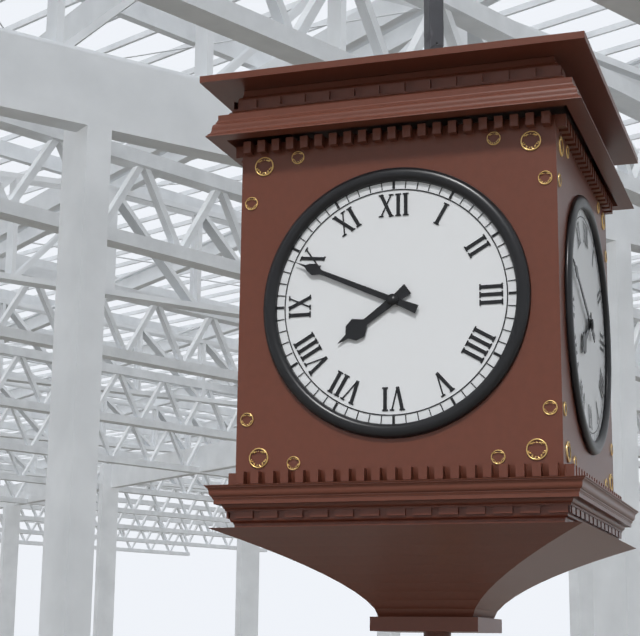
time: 7:49
